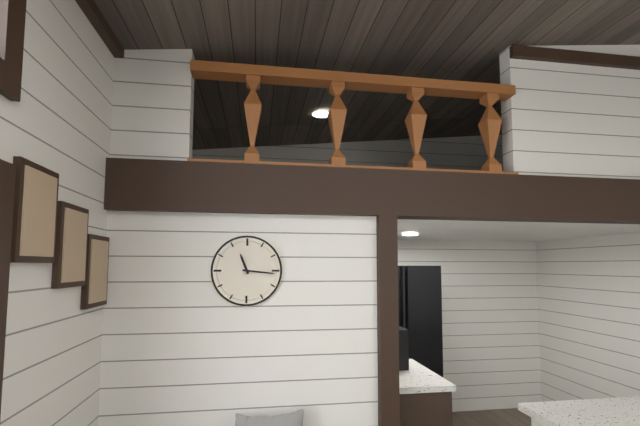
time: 11:16
